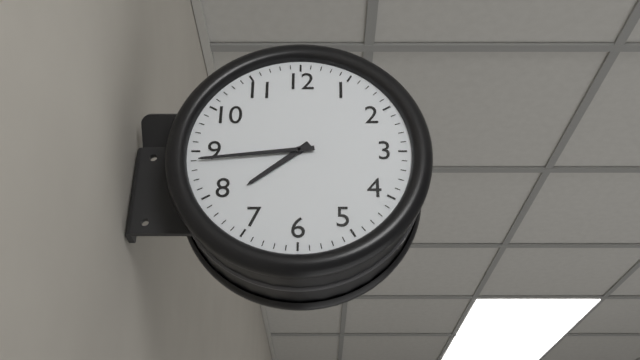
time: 7:44
